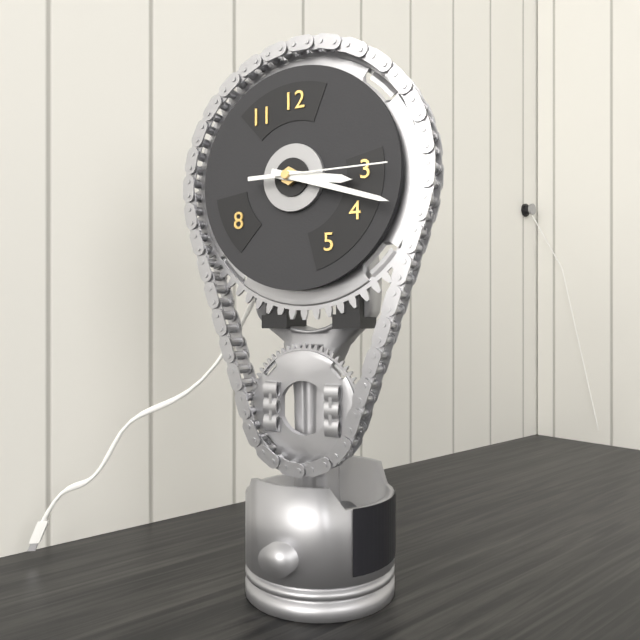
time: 3:18:15
